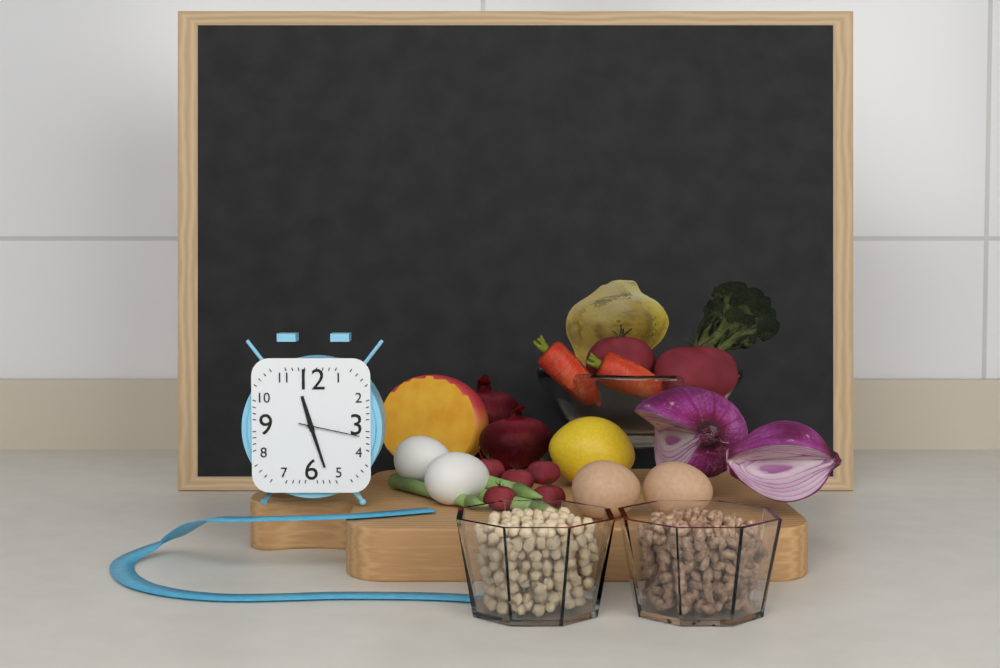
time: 11:27:17
